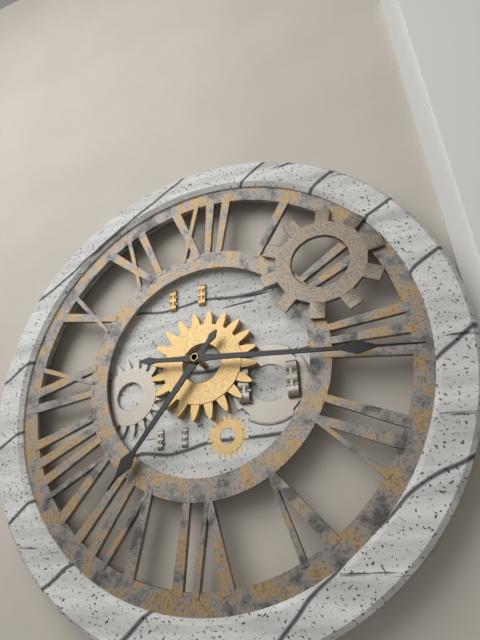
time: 7:16
